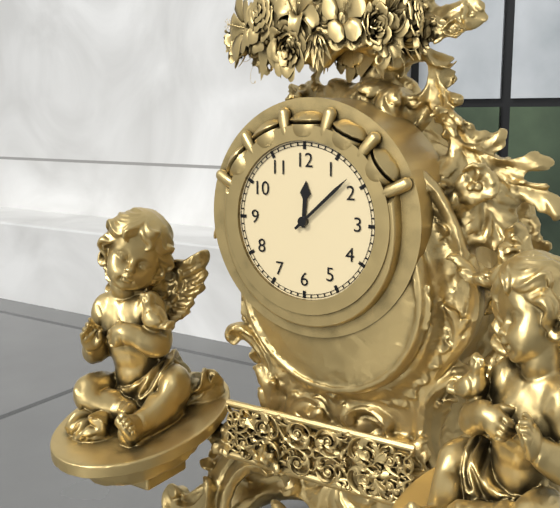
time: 12:08
